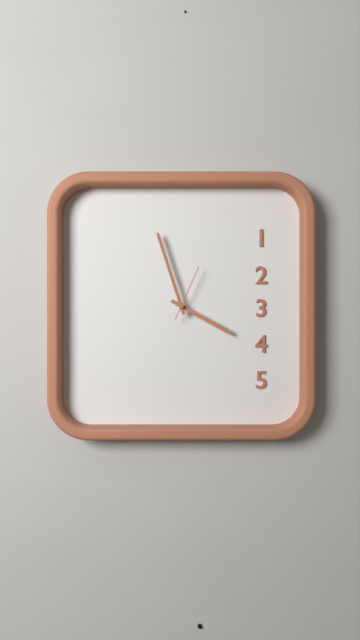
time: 3:57:04
